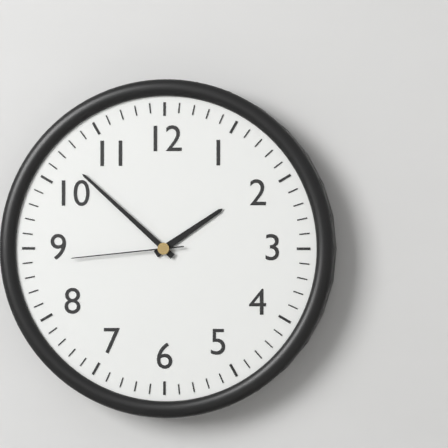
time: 1:52:44
